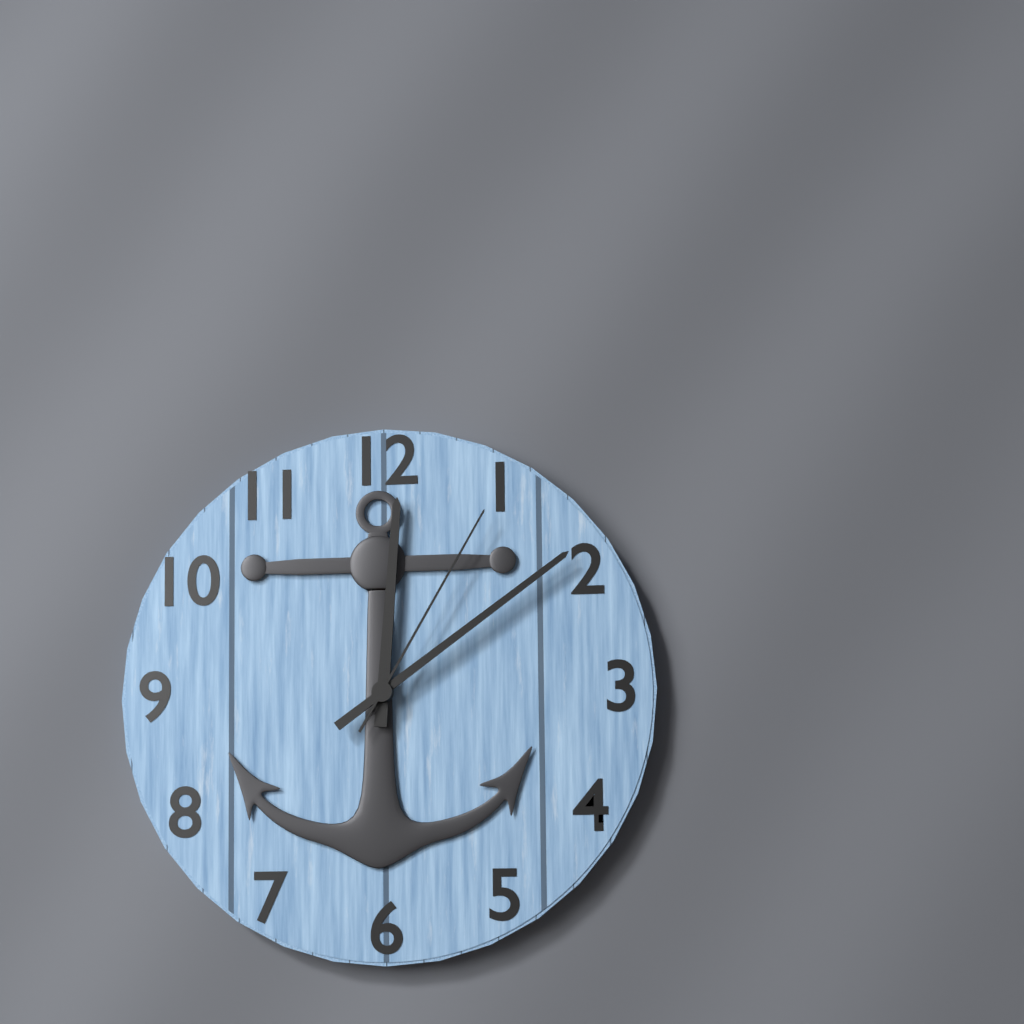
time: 12:09:05
